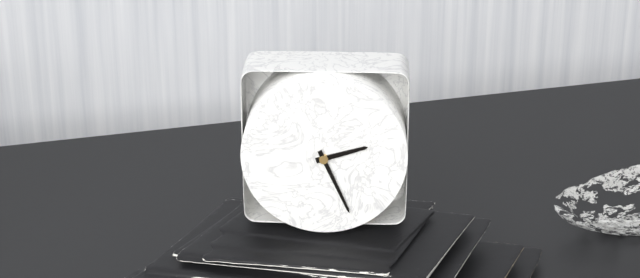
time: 2:26
